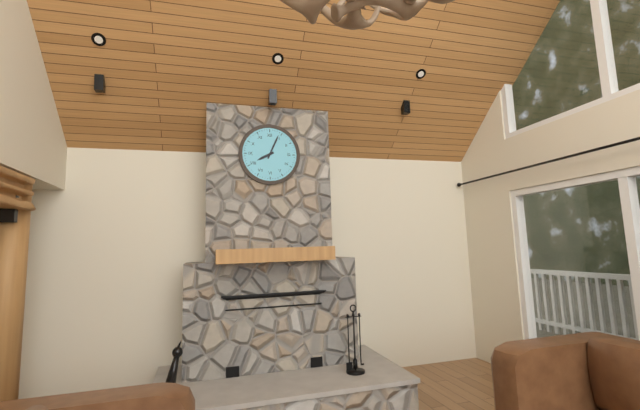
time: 8:04
